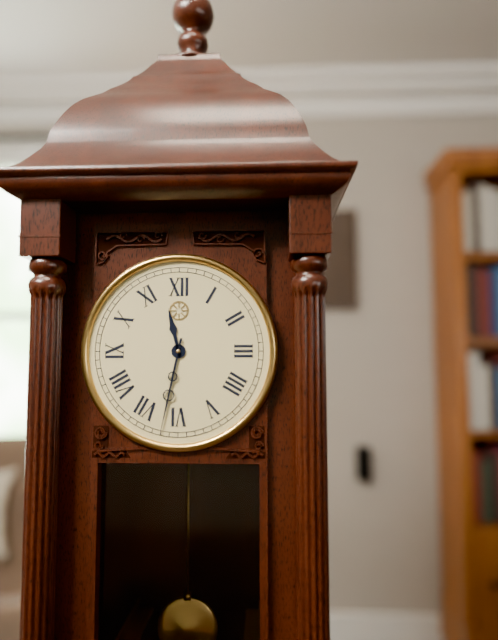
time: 11:32
